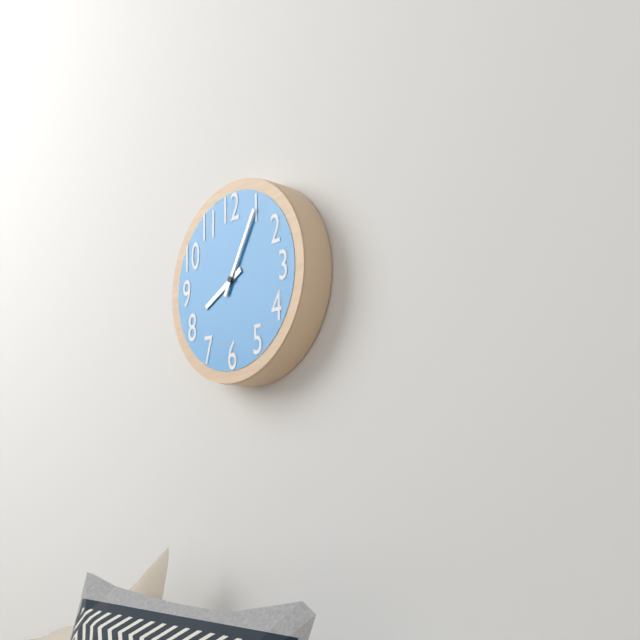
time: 8:05
